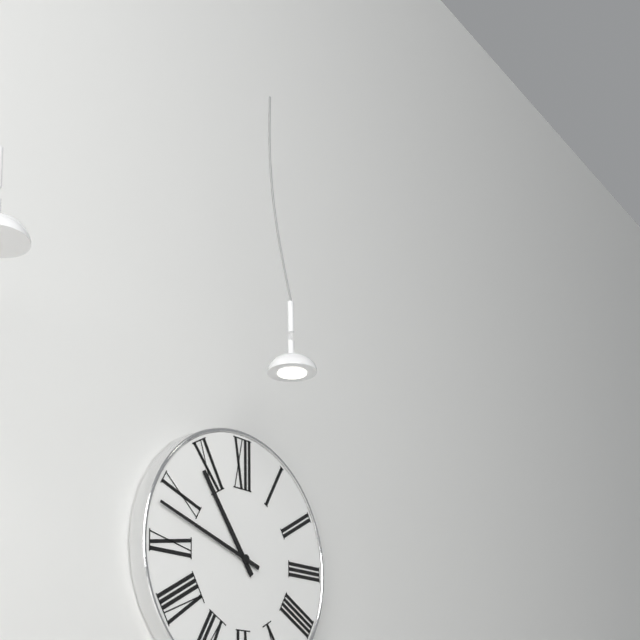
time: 10:48
